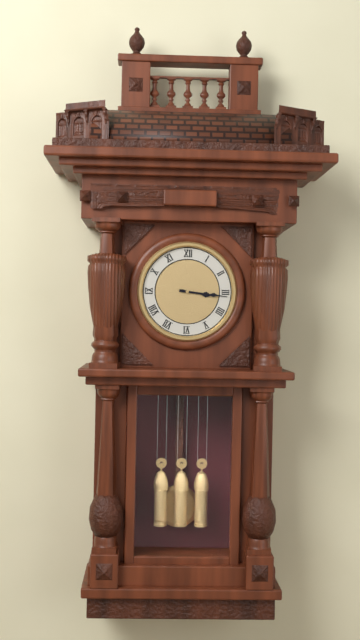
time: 3:16
